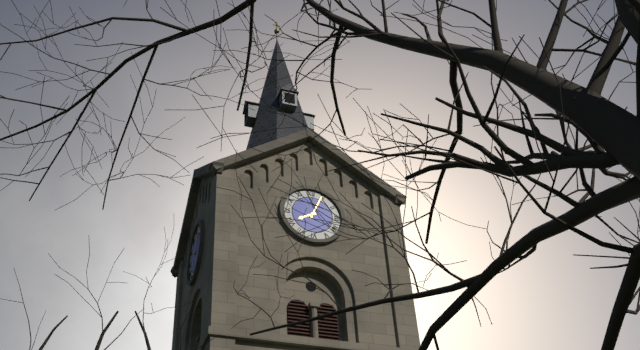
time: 8:04
